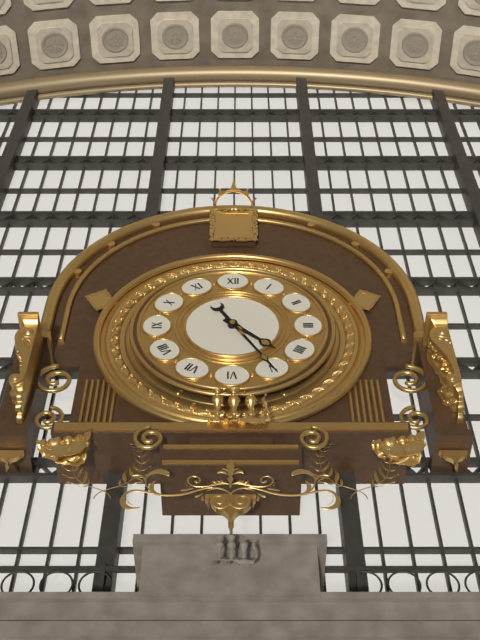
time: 4:25
